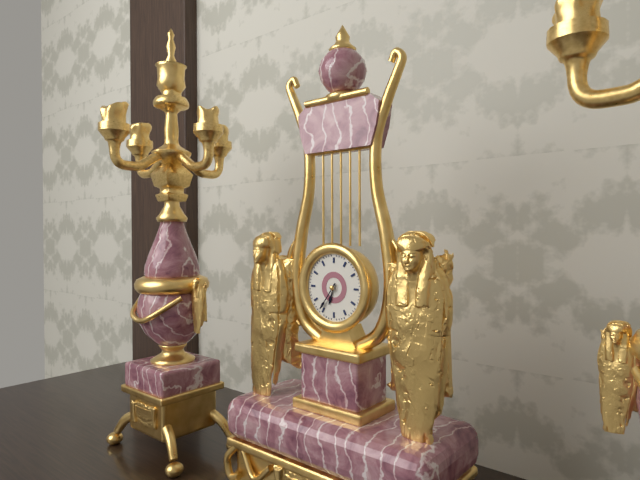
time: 6:36
